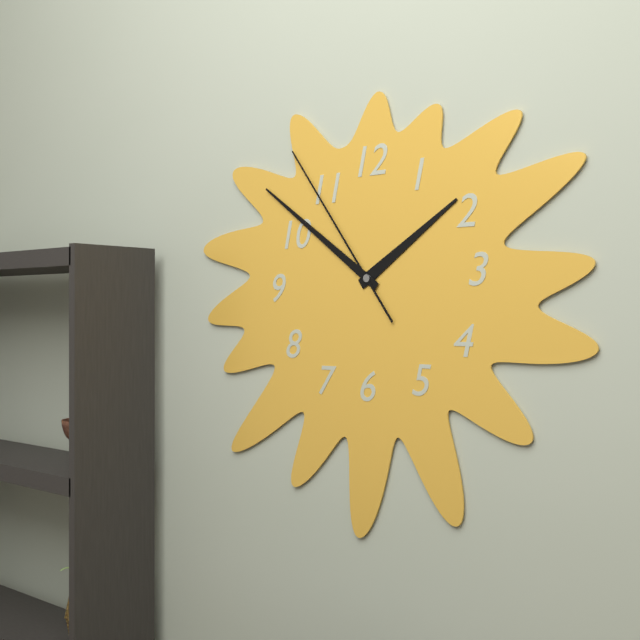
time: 1:51:54
